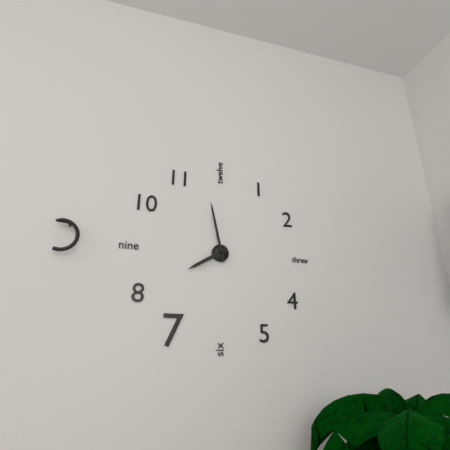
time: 7:58
